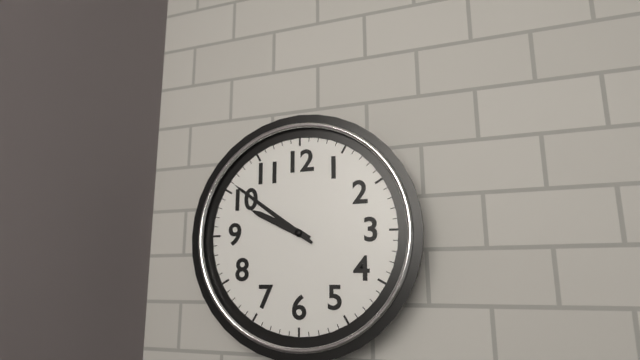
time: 9:51
